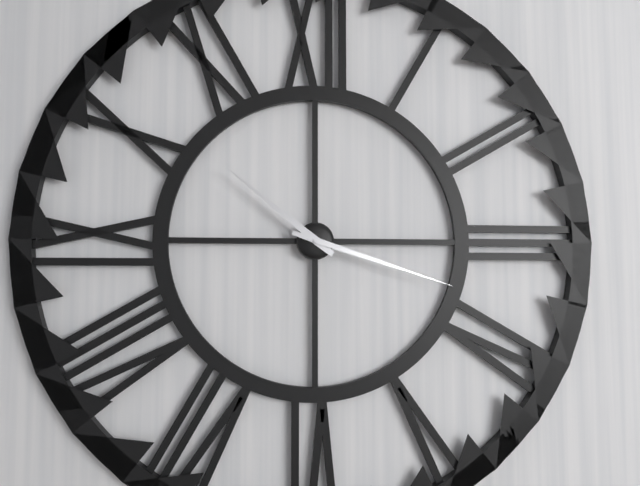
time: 10:18
